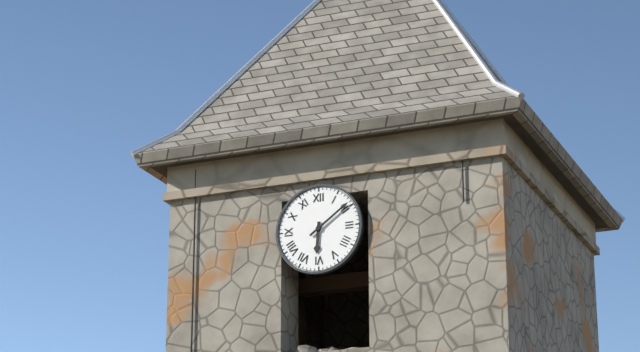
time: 6:09
